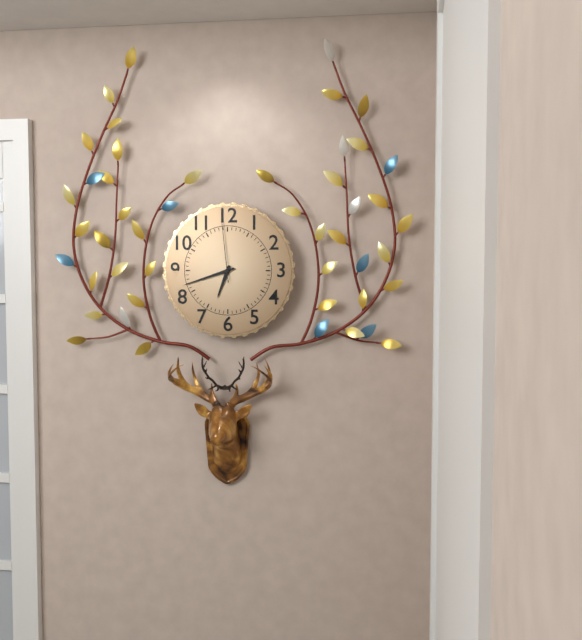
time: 6:42:59
